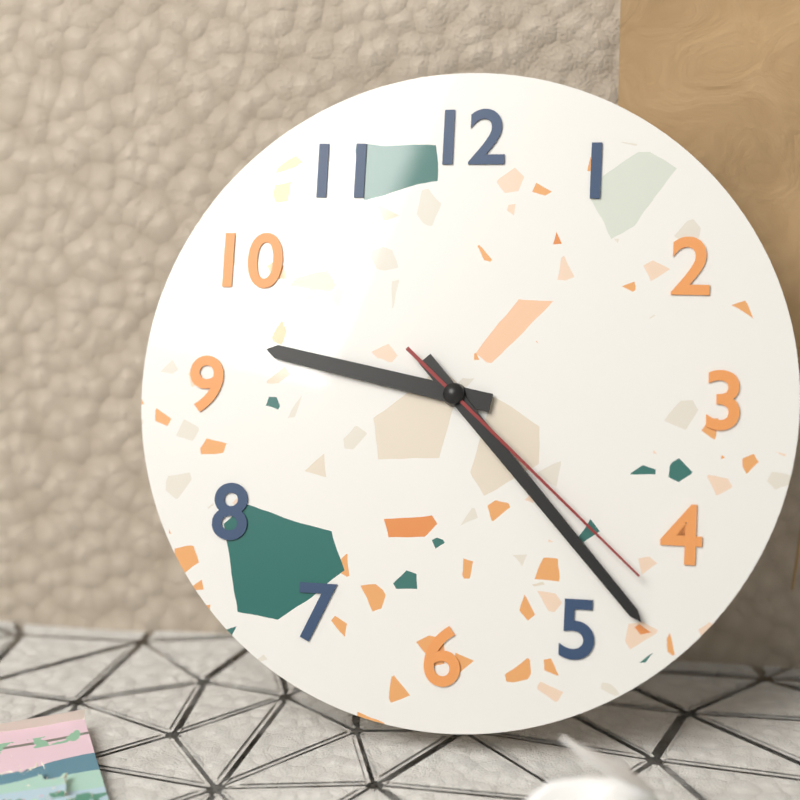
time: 9:23:22
